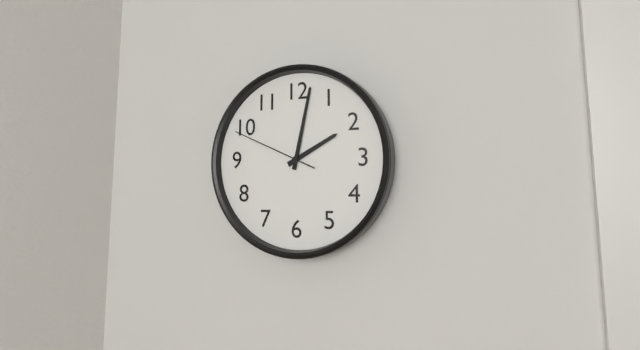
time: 2:02:49
